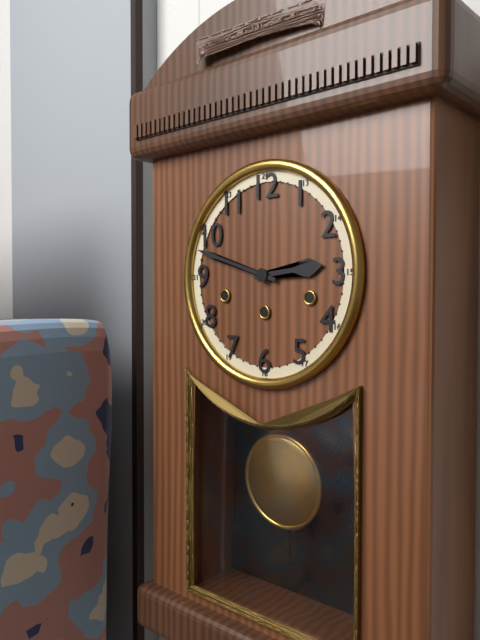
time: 2:48
